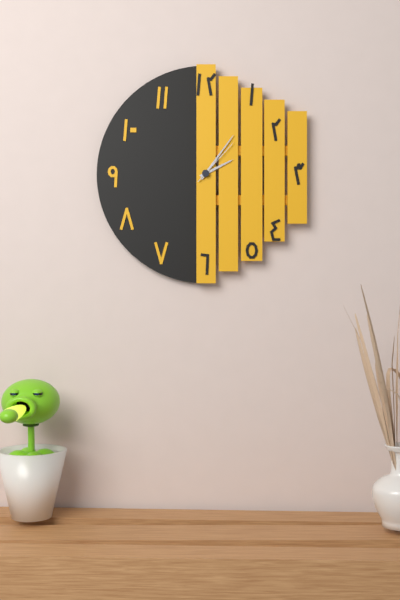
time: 2:06:07
